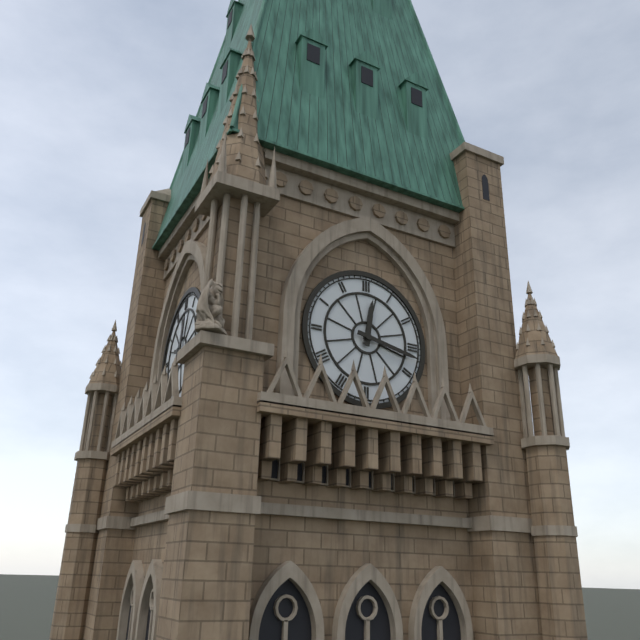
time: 12:17
